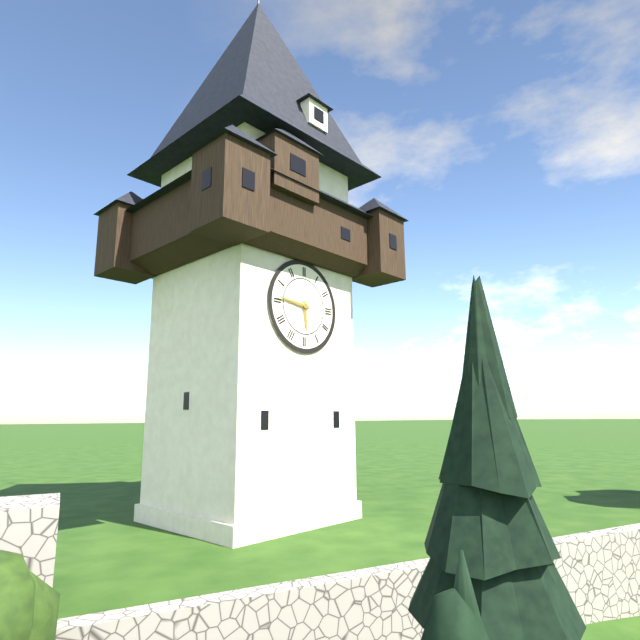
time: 5:46
